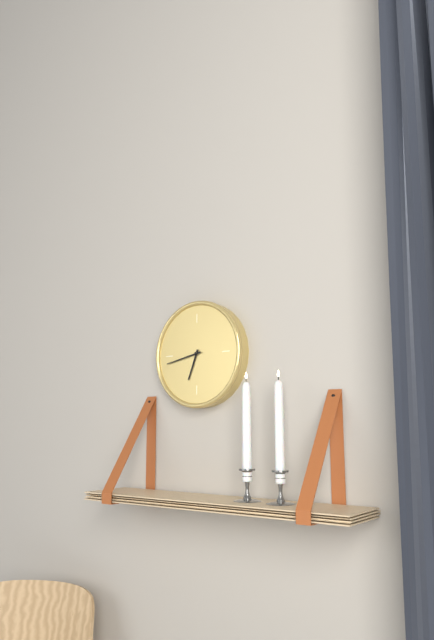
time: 6:43
